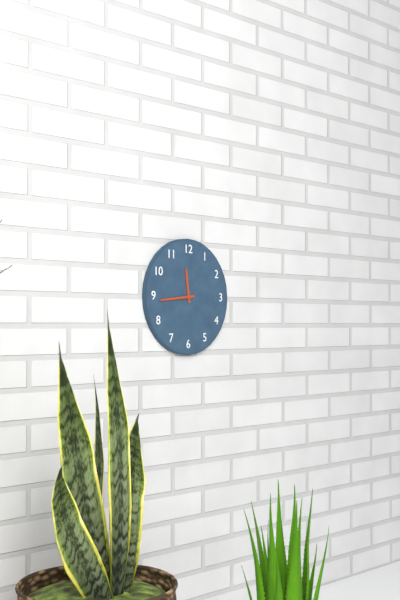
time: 11:44
